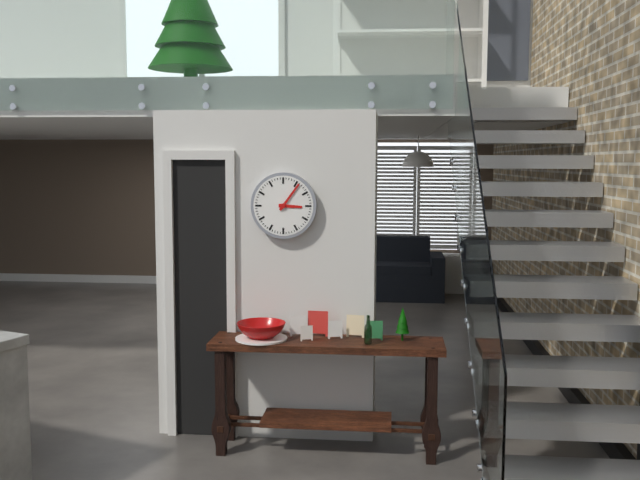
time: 3:06
